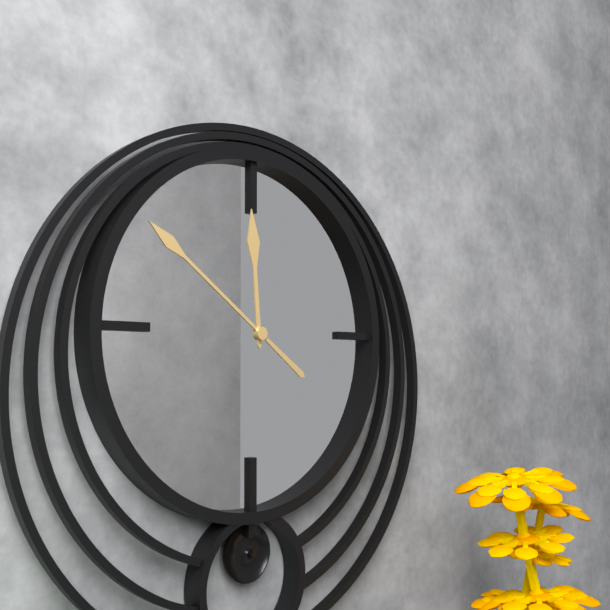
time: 11:51
